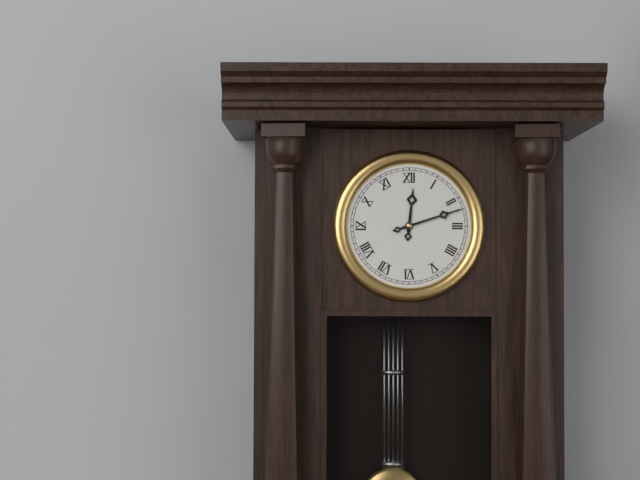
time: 12:12
